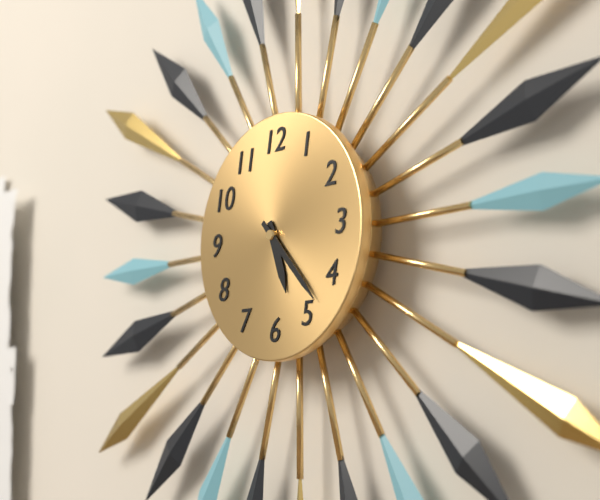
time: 5:23
